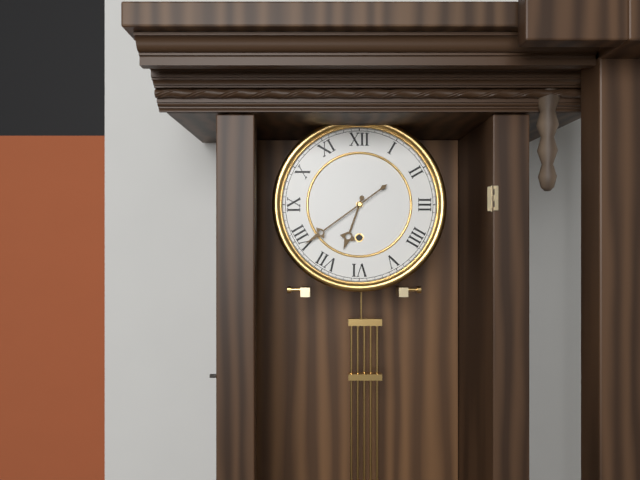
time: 6:39
